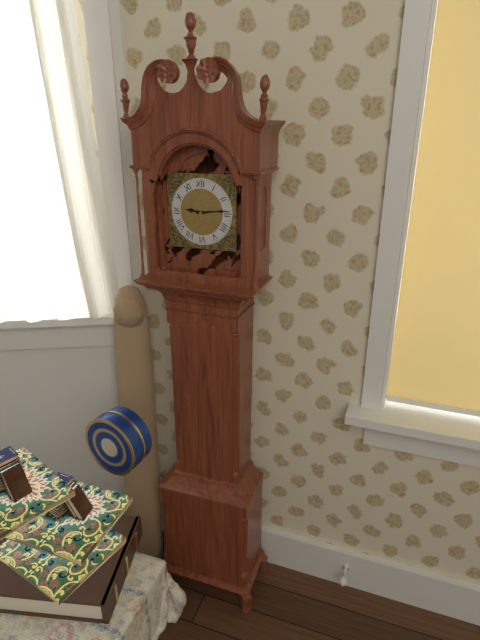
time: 9:14
